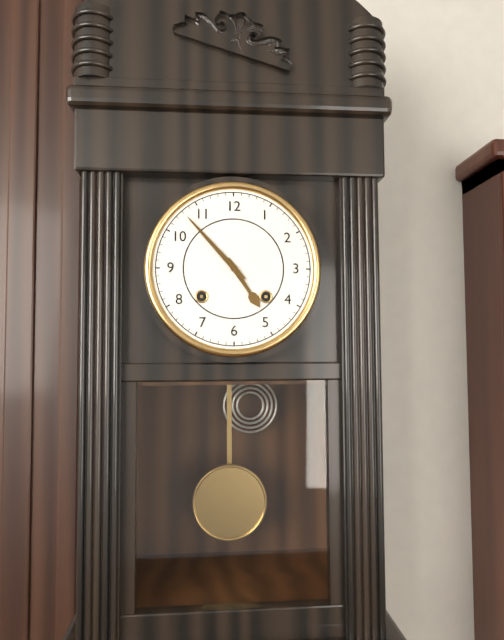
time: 4:53
